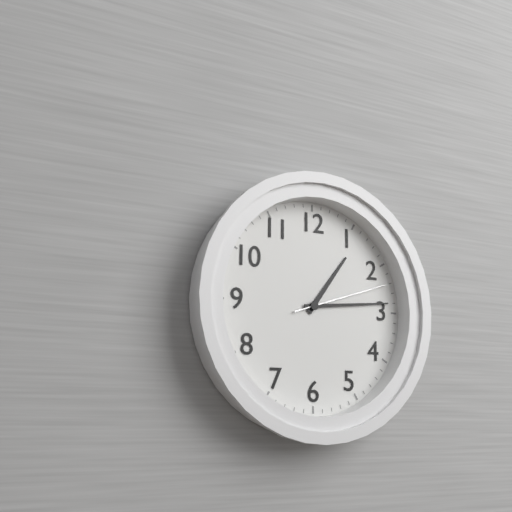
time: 1:14:12
